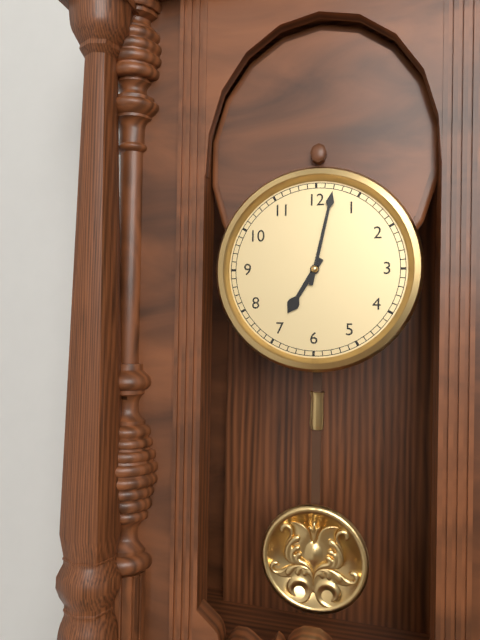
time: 7:02
